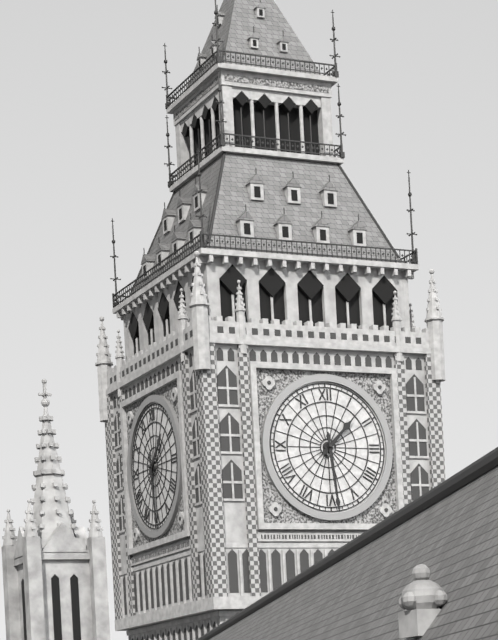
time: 1:29
